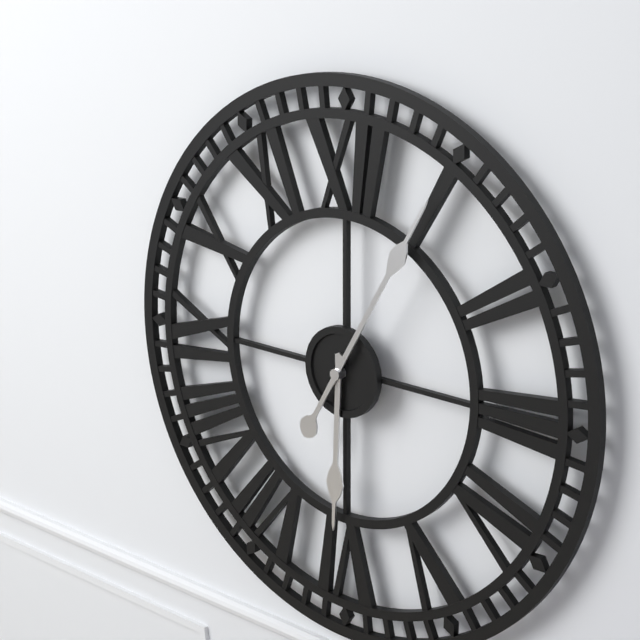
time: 6:05
